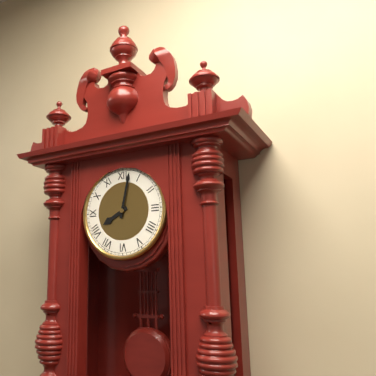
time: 8:02
